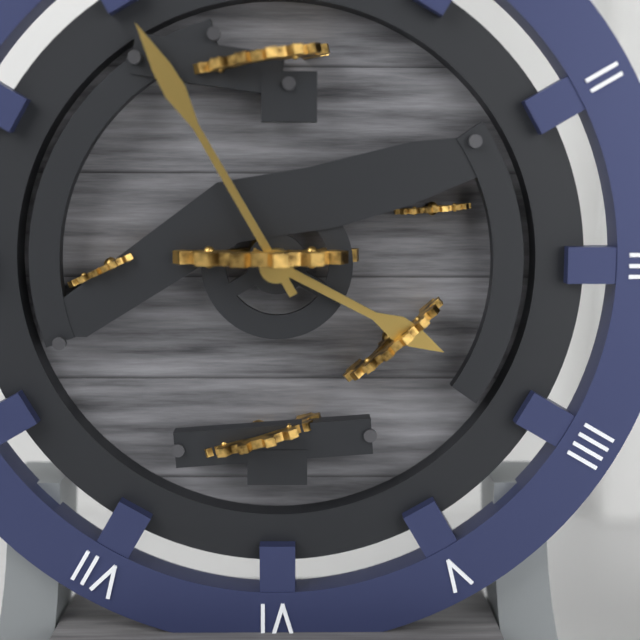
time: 3:55
